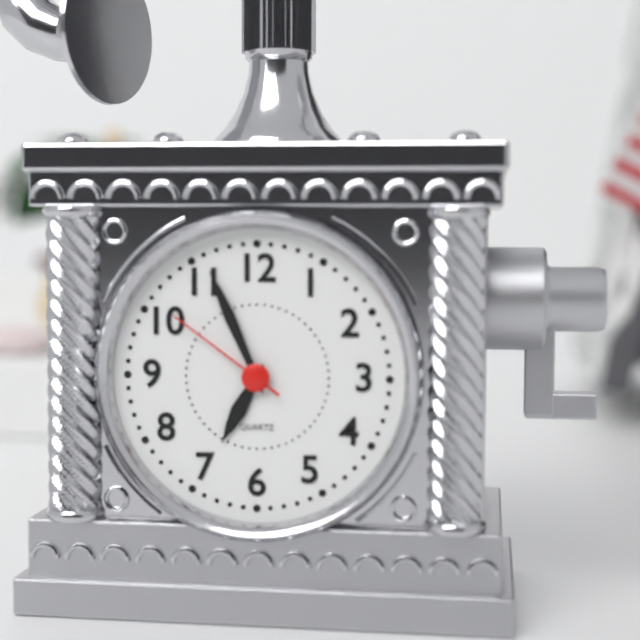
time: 6:56:51
